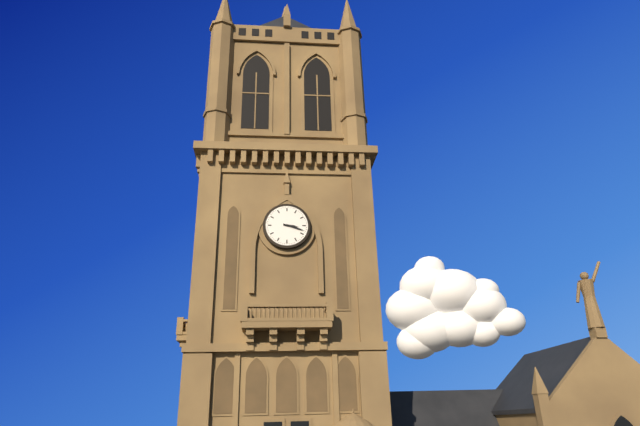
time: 3:18
